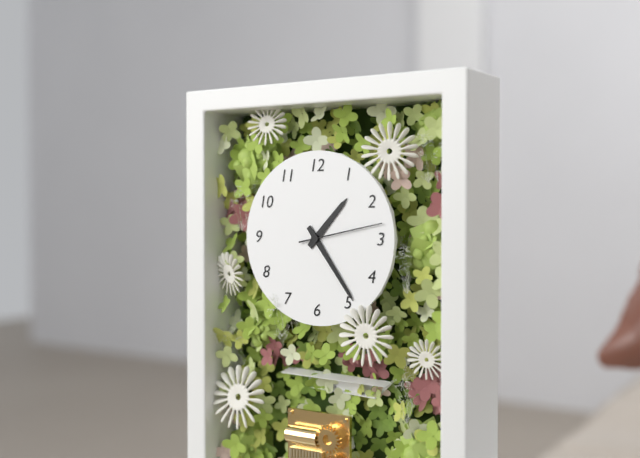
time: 1:24:13
